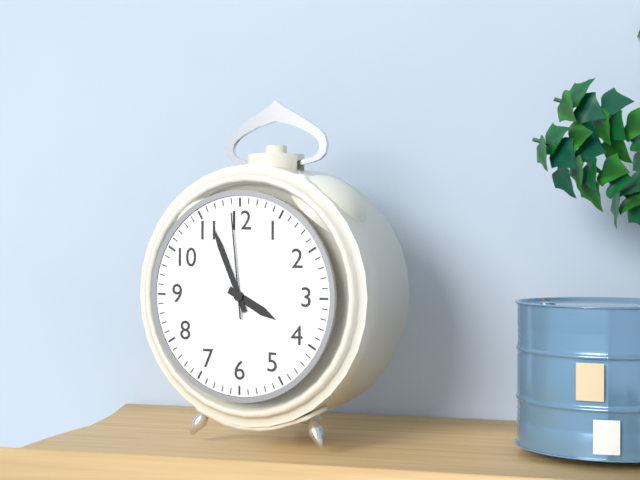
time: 3:56:59
